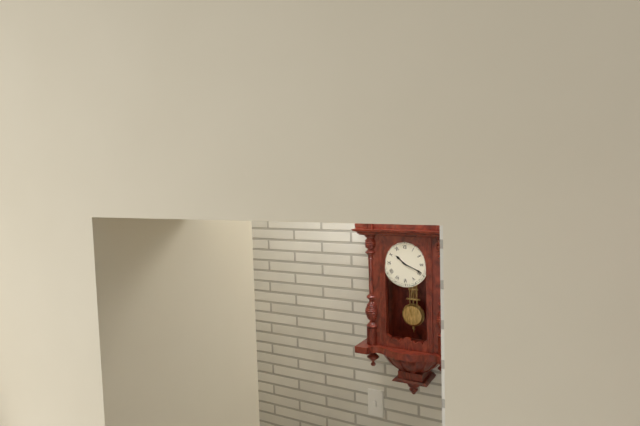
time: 10:19
